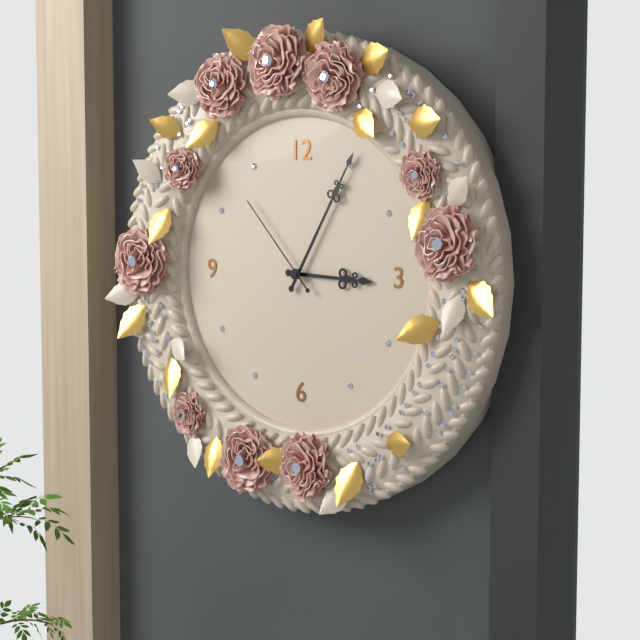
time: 3:05:53
